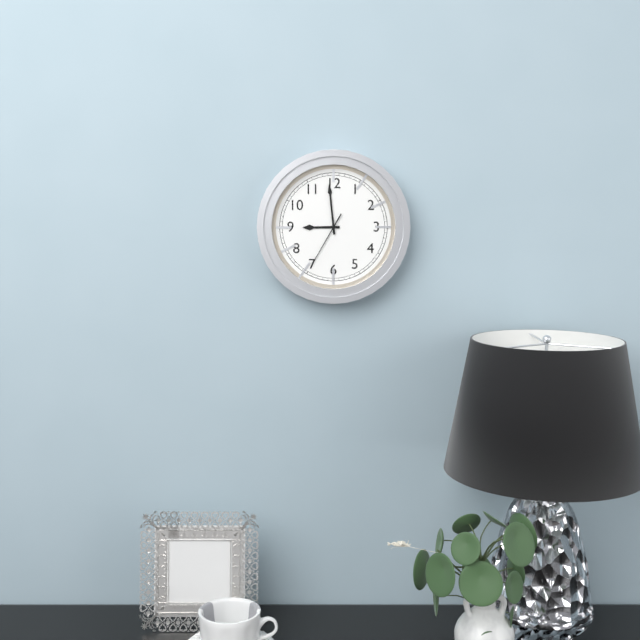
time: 8:59:35
